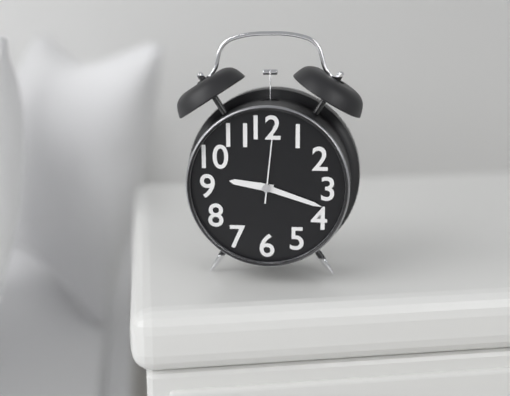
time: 9:18:01
